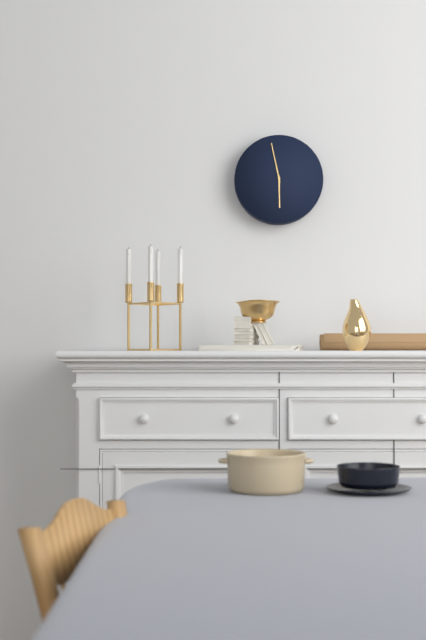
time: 5:58
